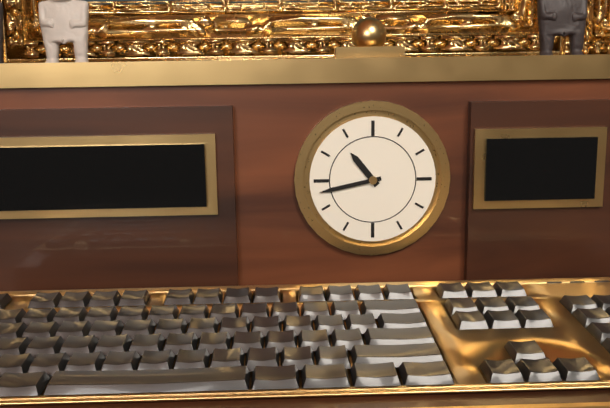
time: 10:43
